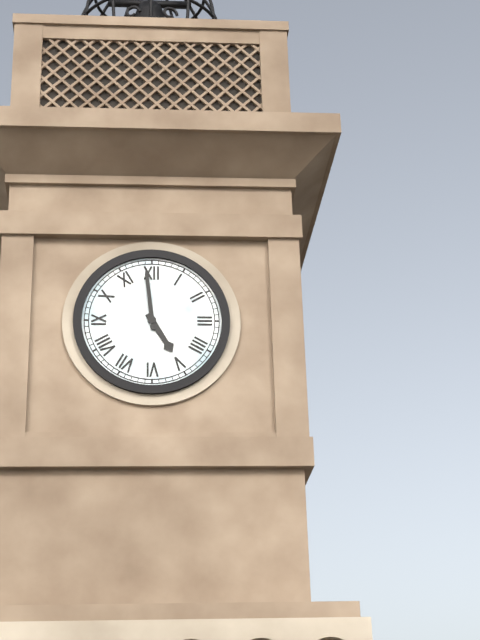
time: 4:59
